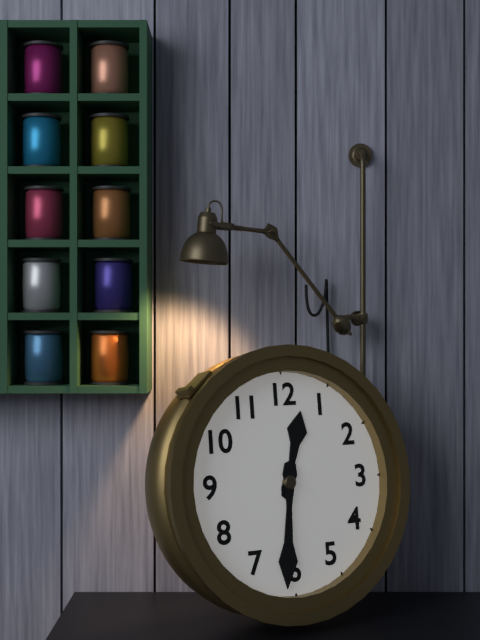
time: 12:31
